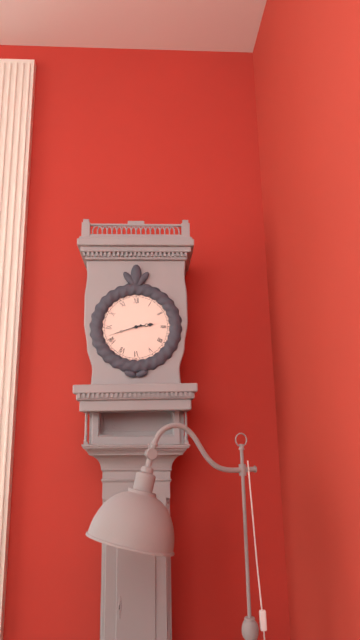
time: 2:42
